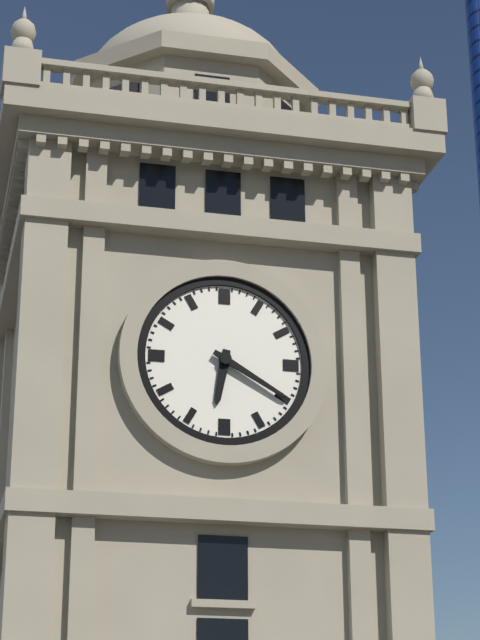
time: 6:20
